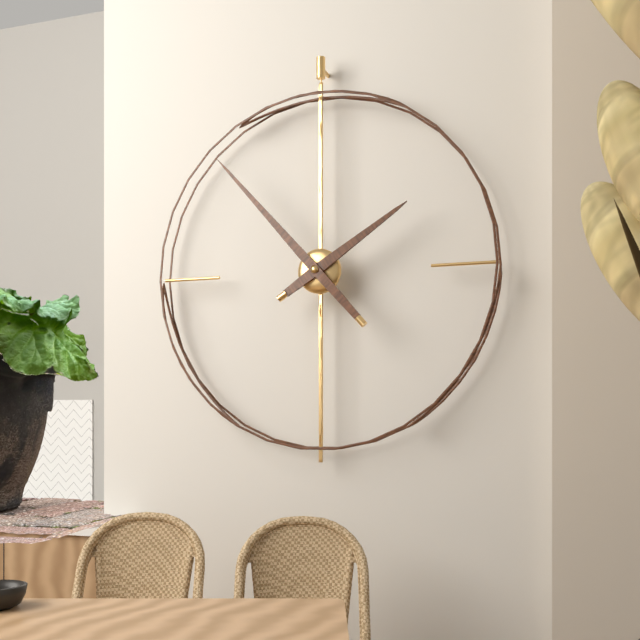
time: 1:53
